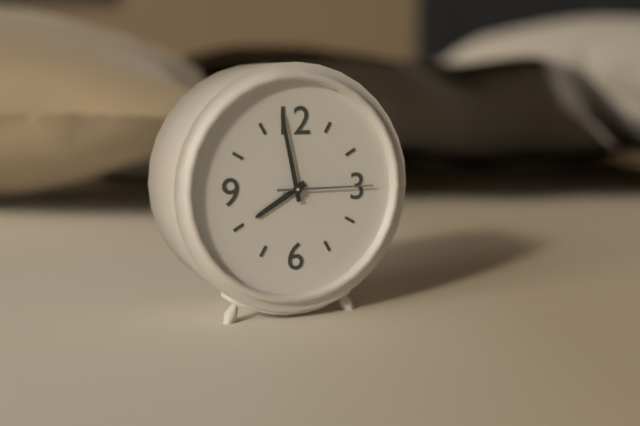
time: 7:58:15
